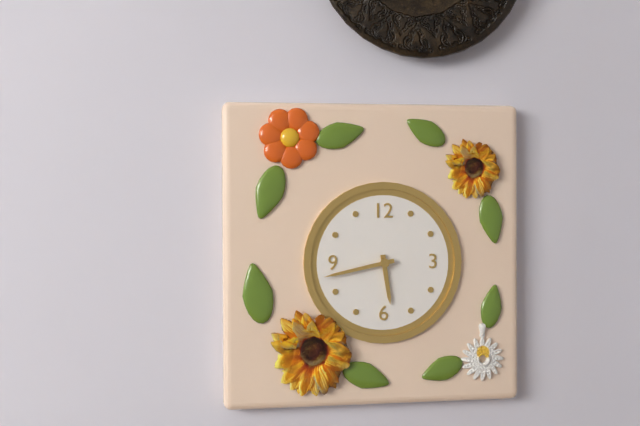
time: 5:43
